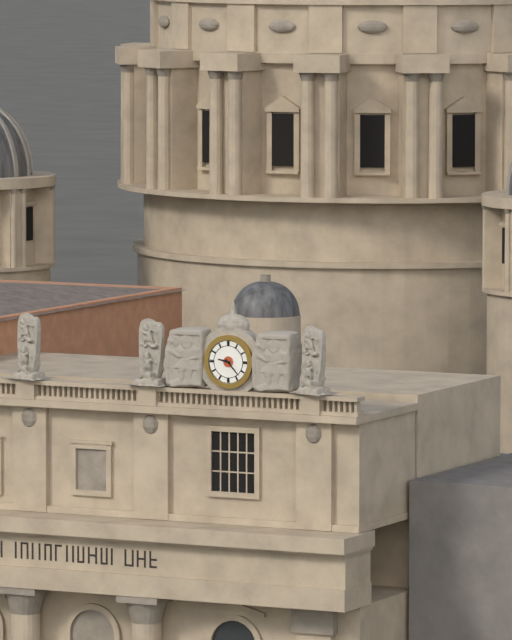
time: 9:23
